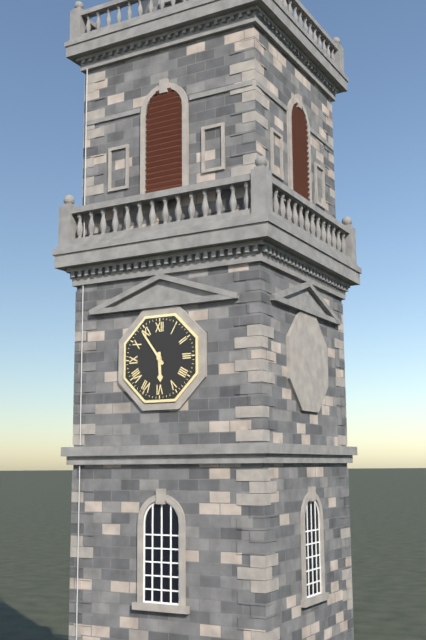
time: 5:54
